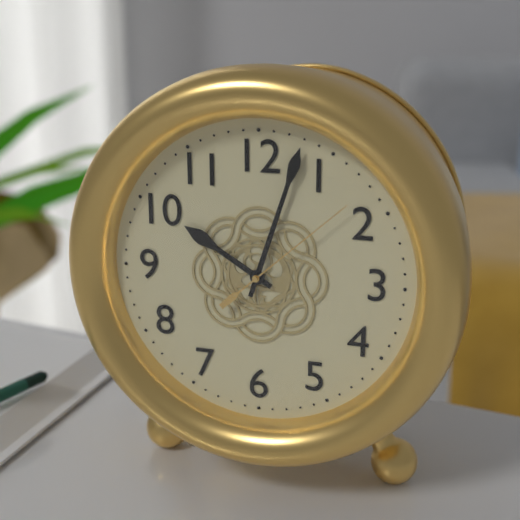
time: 10:03:08
